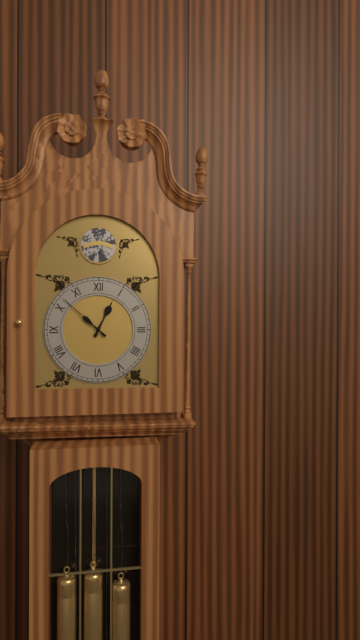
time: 12:52
